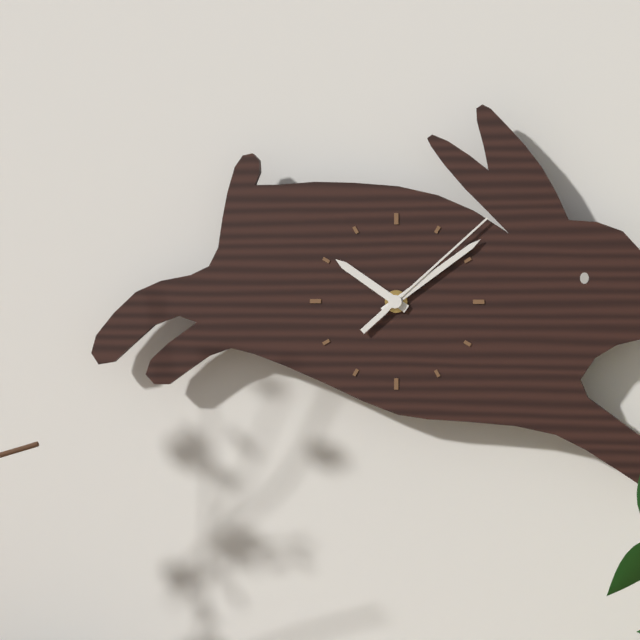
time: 10:09:08
